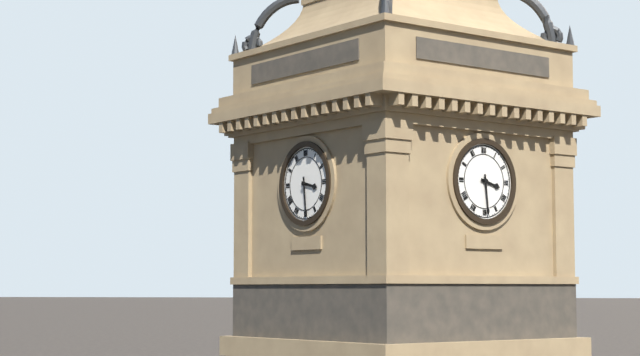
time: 3:29
